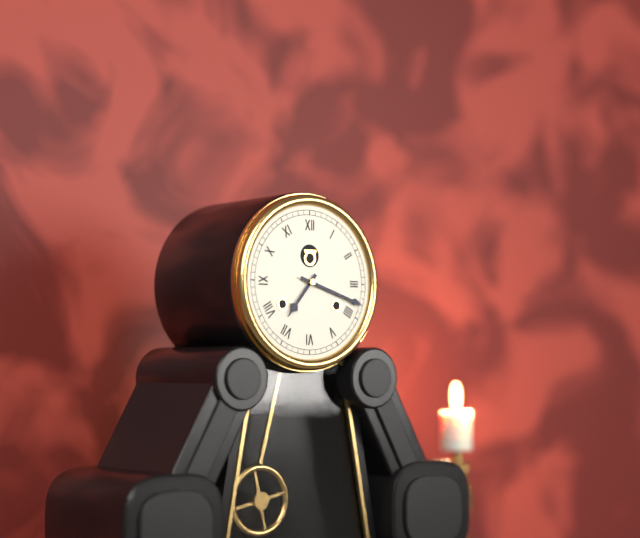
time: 7:18
